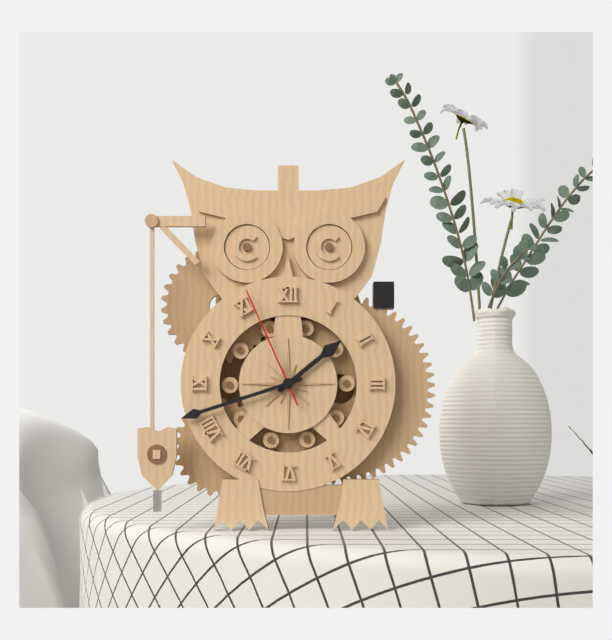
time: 1:42:56
